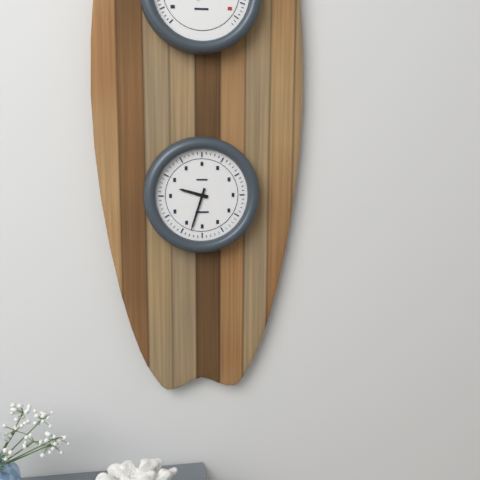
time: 9:33
